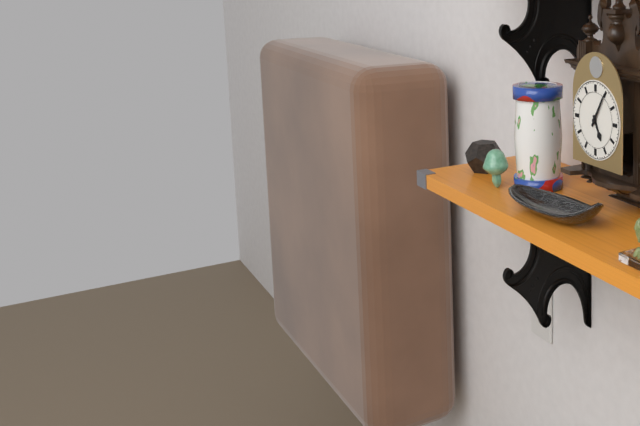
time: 5:05
